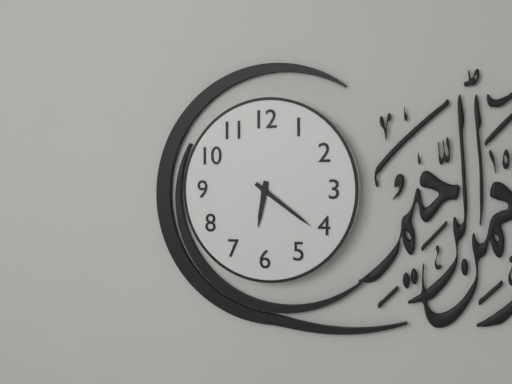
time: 6:21
